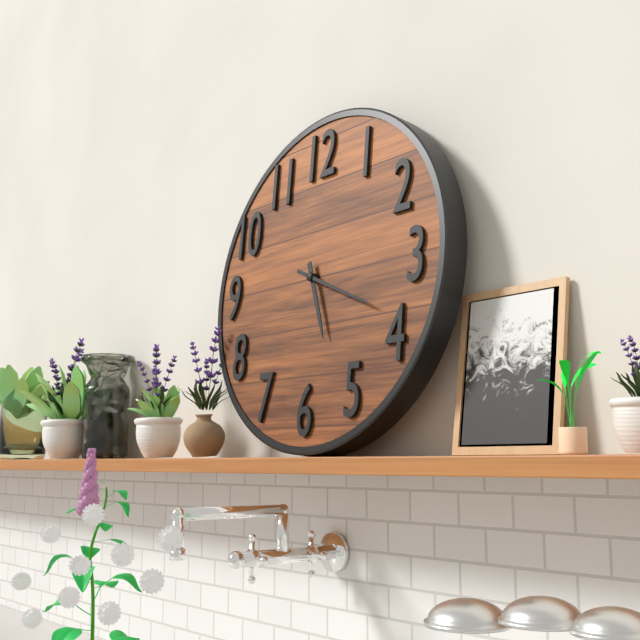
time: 5:19
